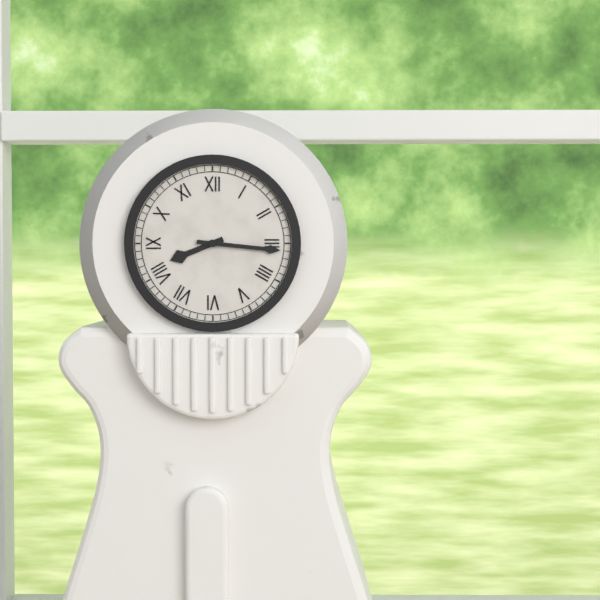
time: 8:16
